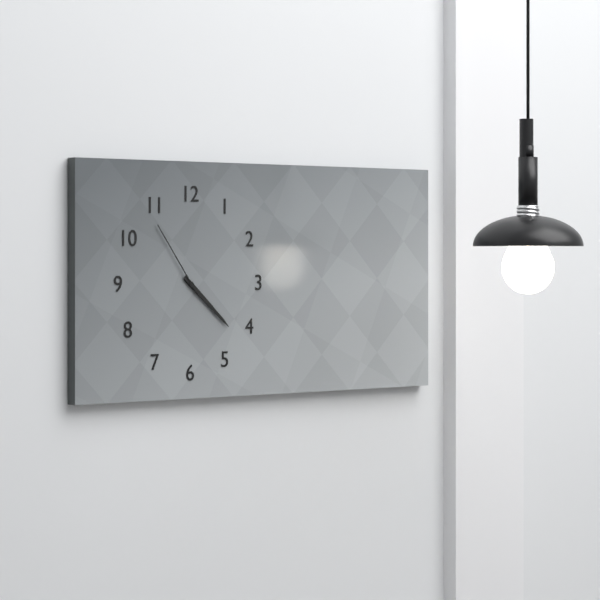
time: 4:22:54
